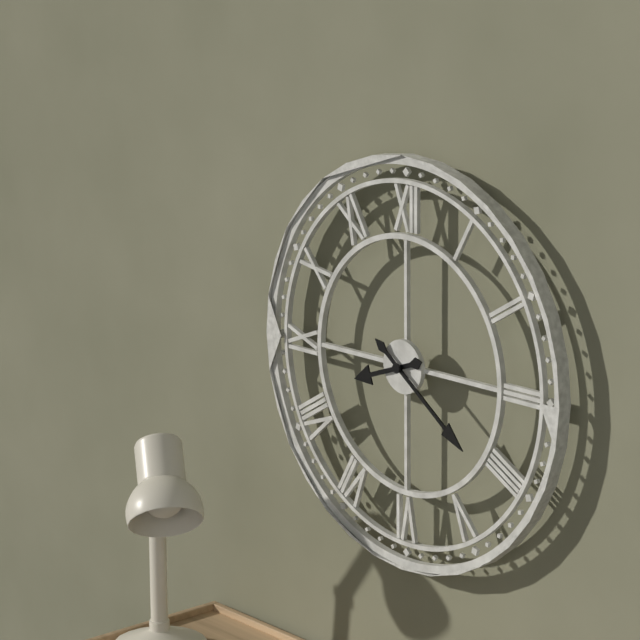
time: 8:21
